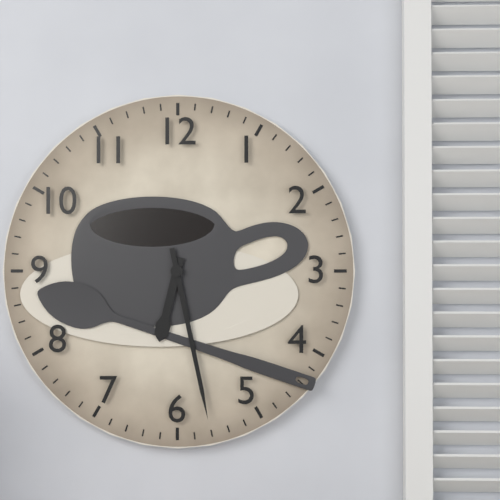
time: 6:28
